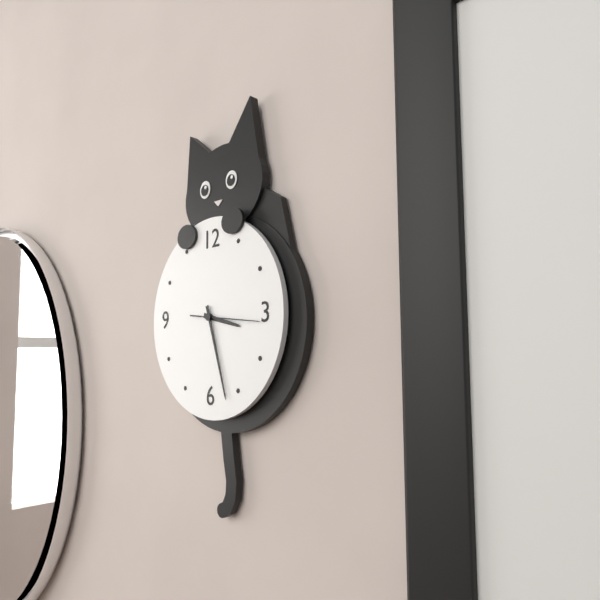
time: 3:27
